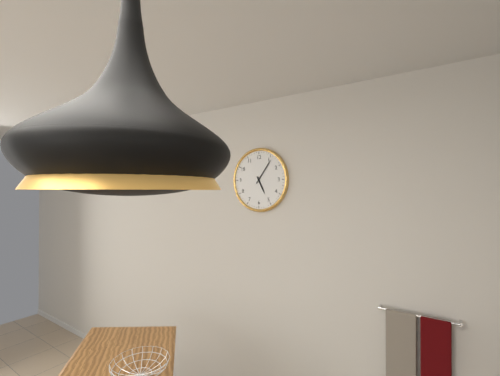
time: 5:06
